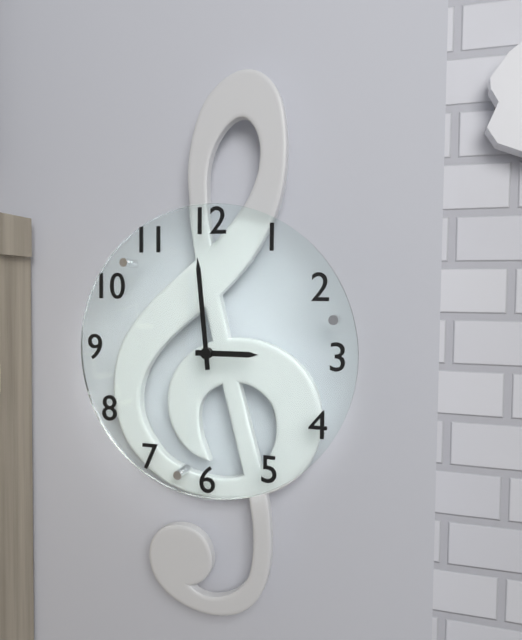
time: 2:59
